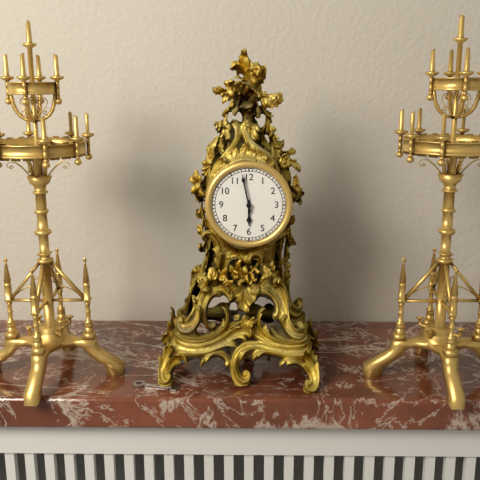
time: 5:58
